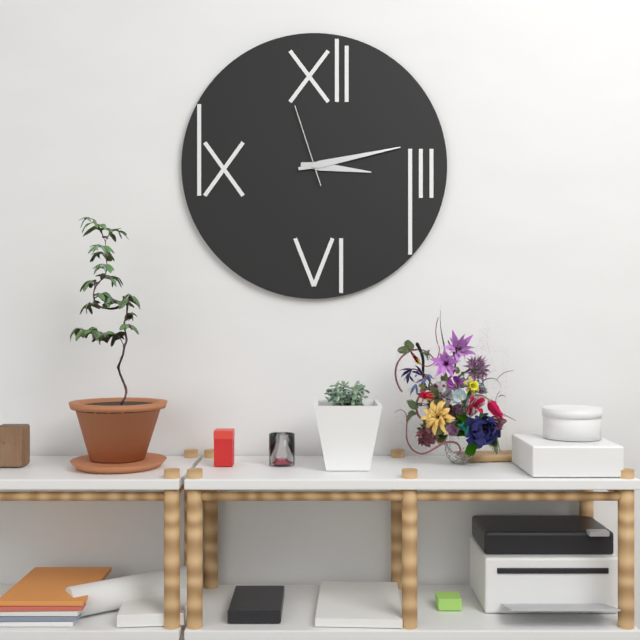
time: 3:13:57
